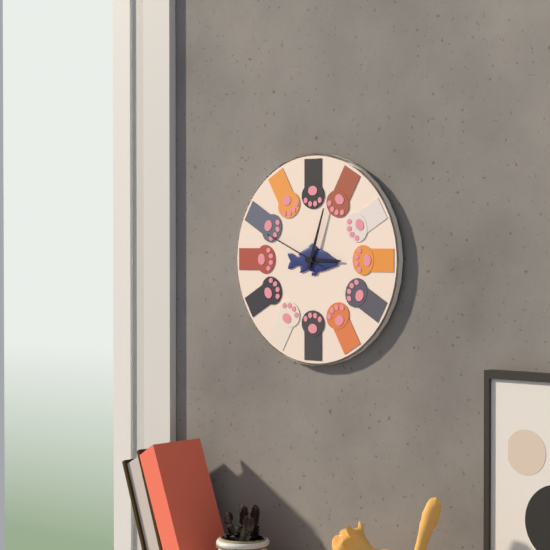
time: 3:03:49
